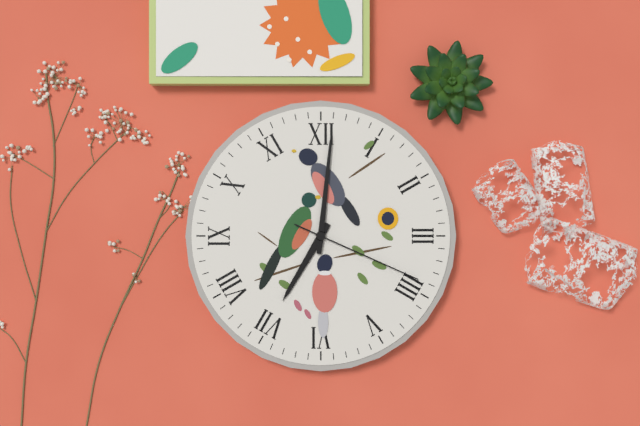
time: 7:01:19
